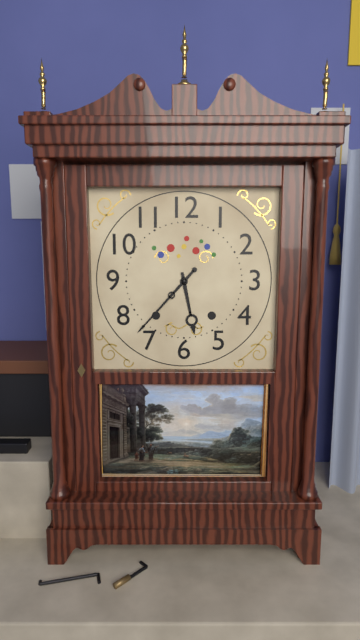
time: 5:37
